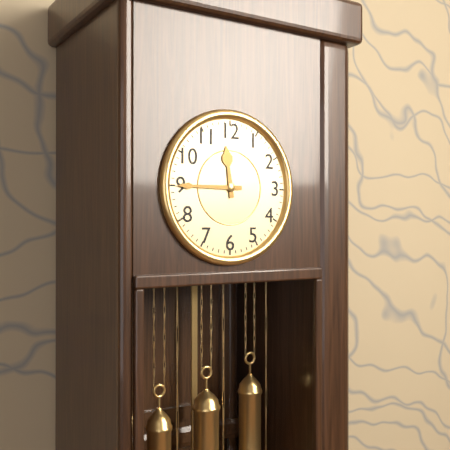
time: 11:45
